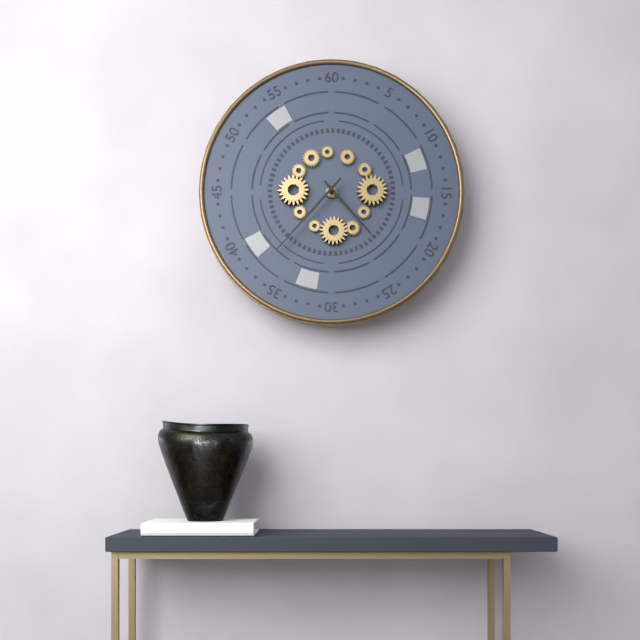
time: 4:37
